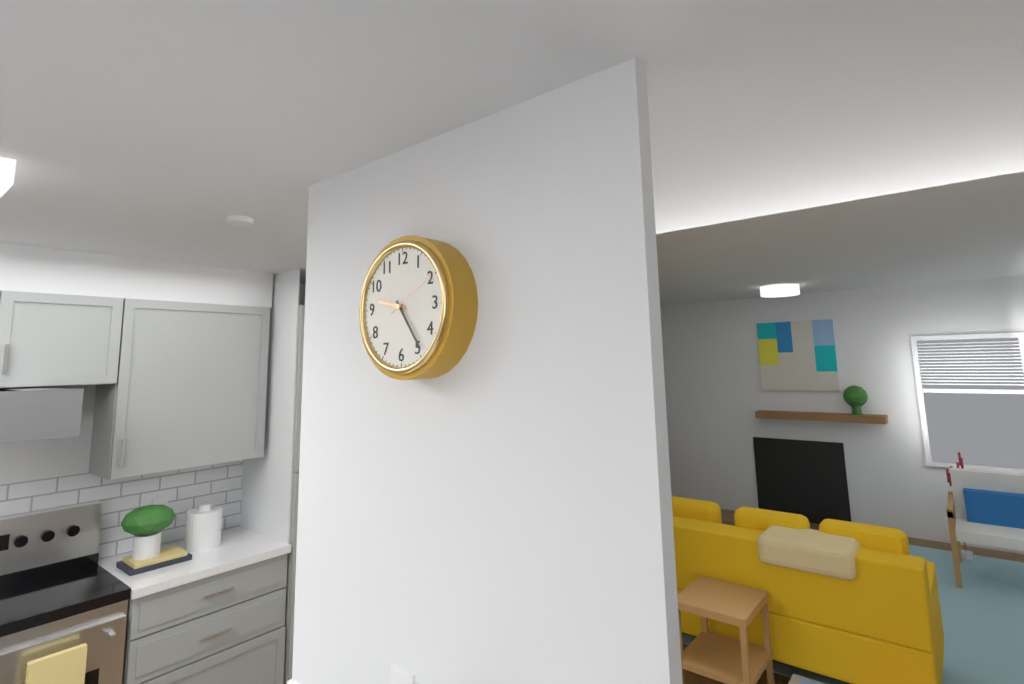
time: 9:24:10
